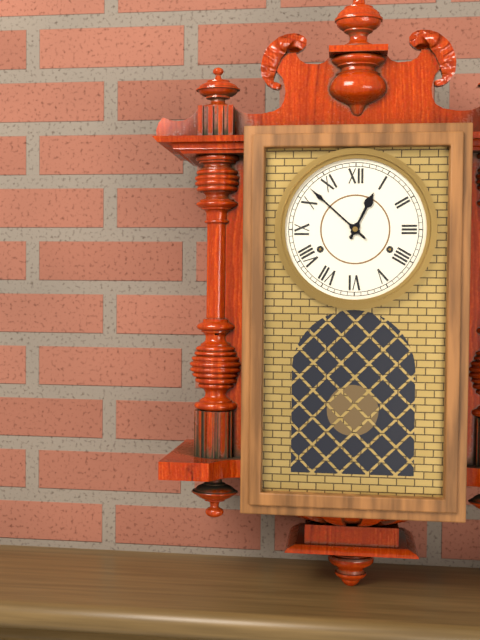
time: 12:52
